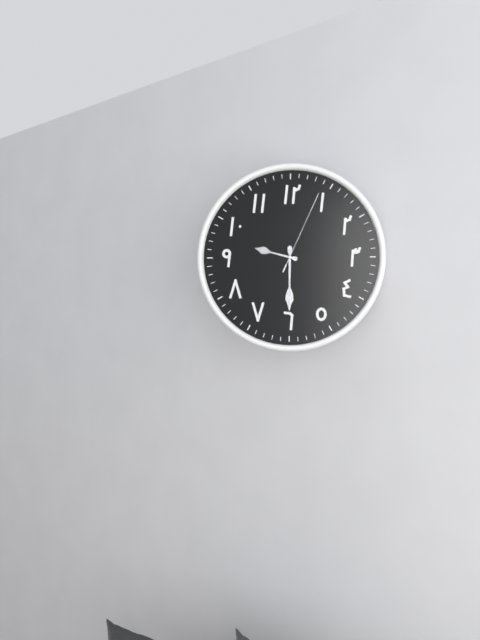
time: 9:30:04
